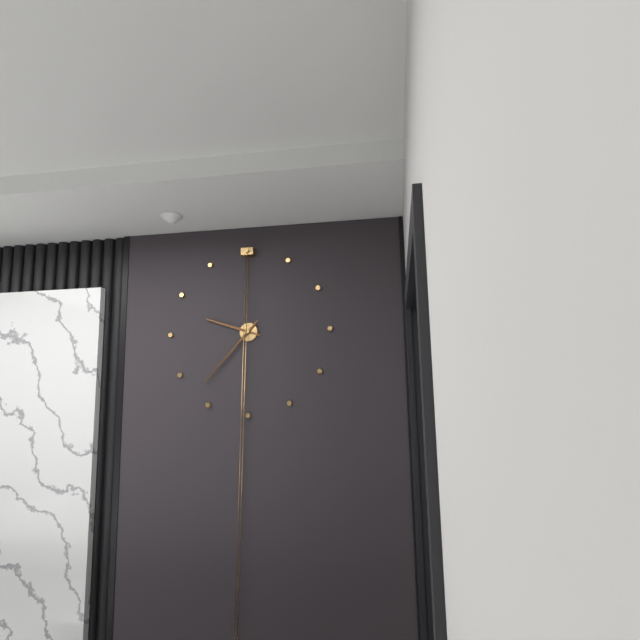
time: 9:37
